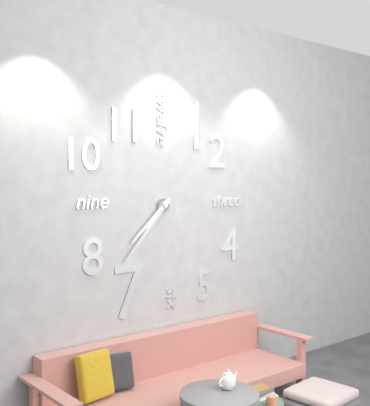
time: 7:37
